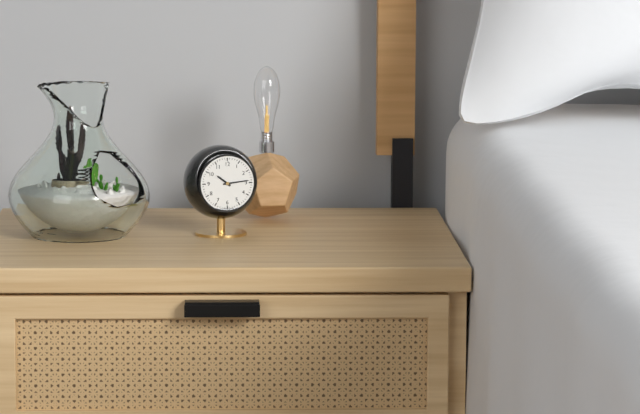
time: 10:14
